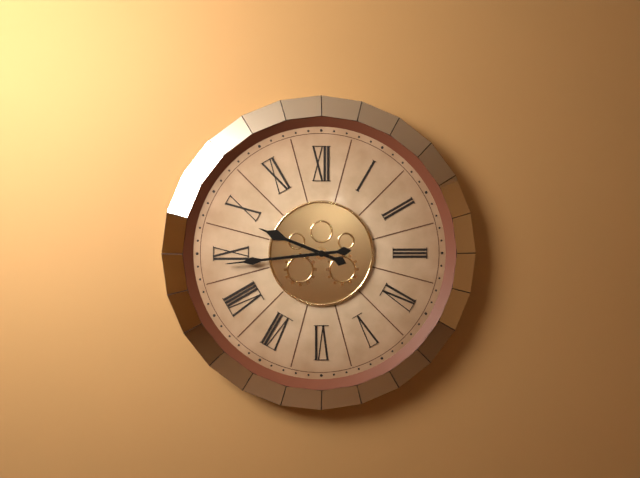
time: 9:44
